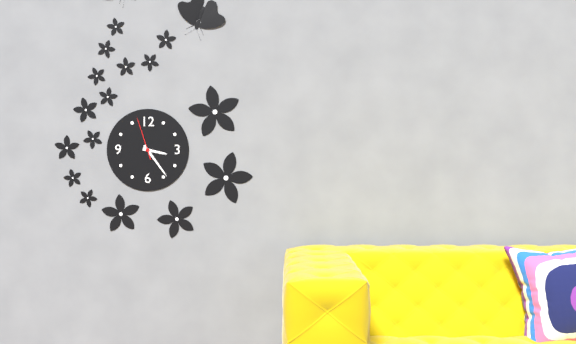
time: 3:24
